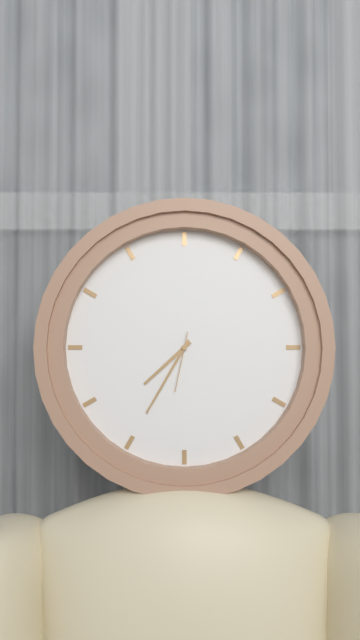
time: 7:35:32
